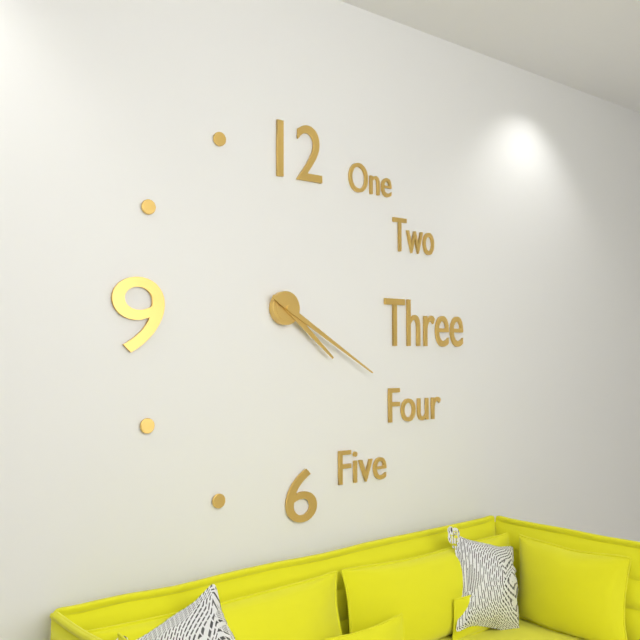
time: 4:20
